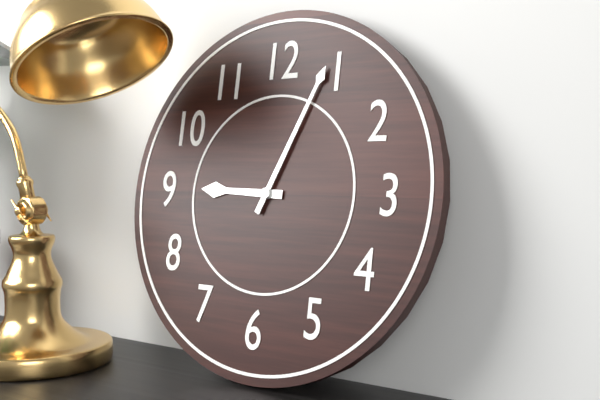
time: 9:04
